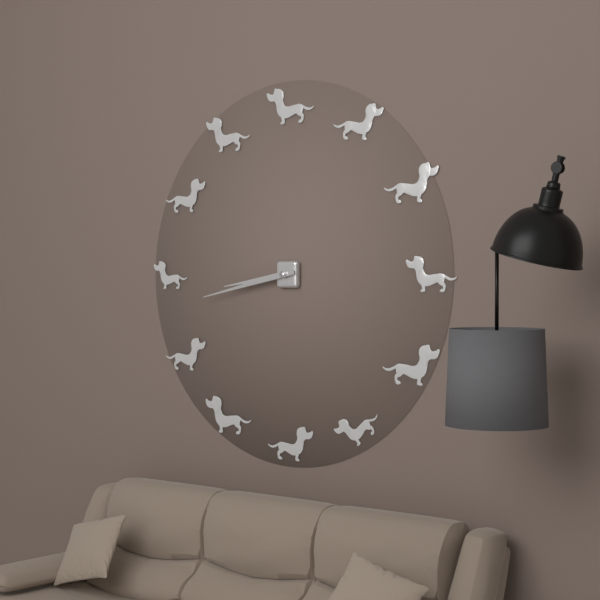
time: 8:43
